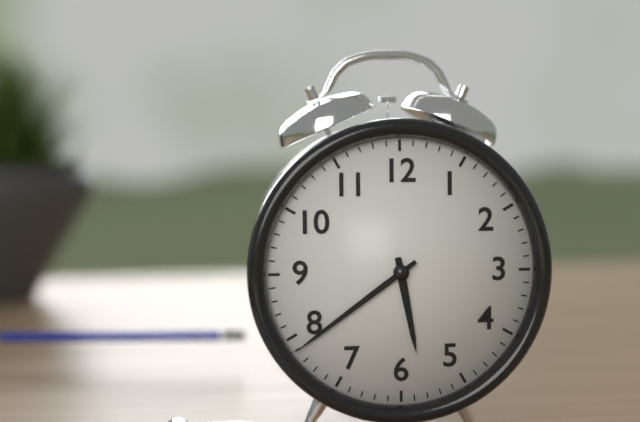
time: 5:39
